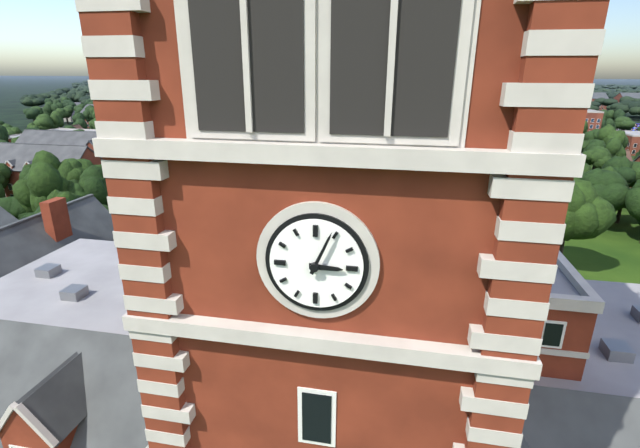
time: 3:04
